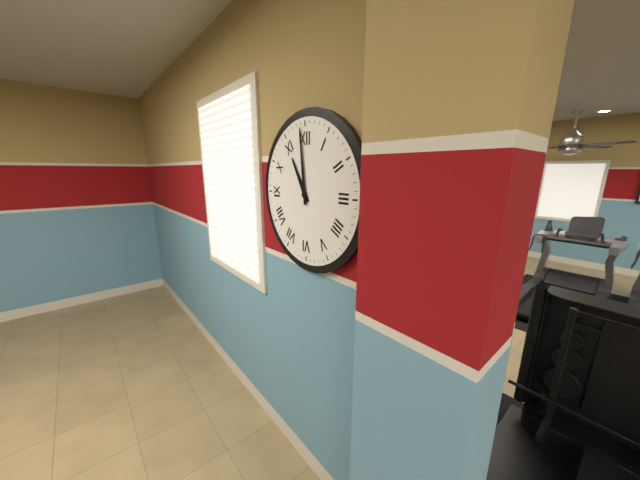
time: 10:59
